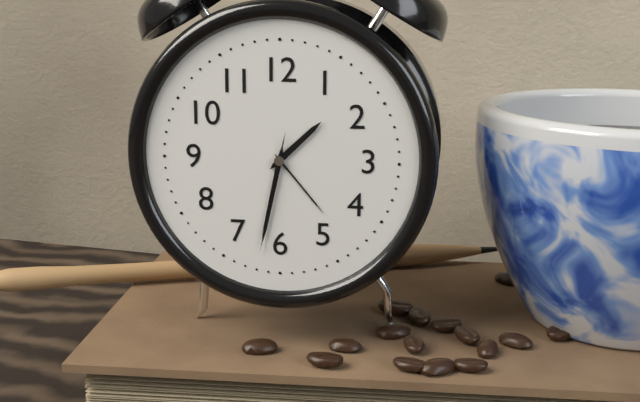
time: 1:32:32
